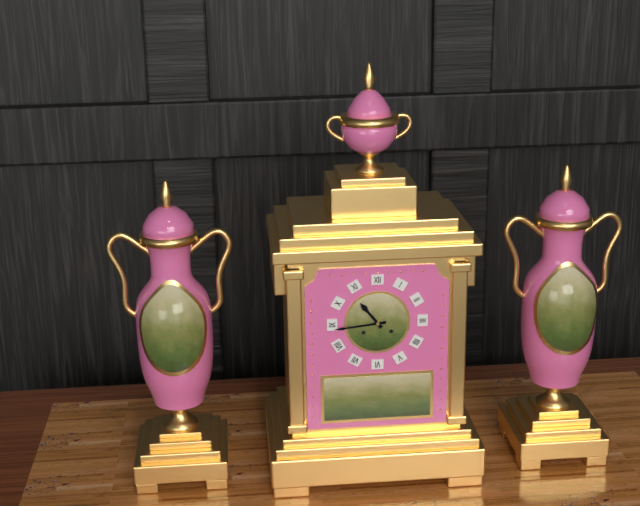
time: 10:44
